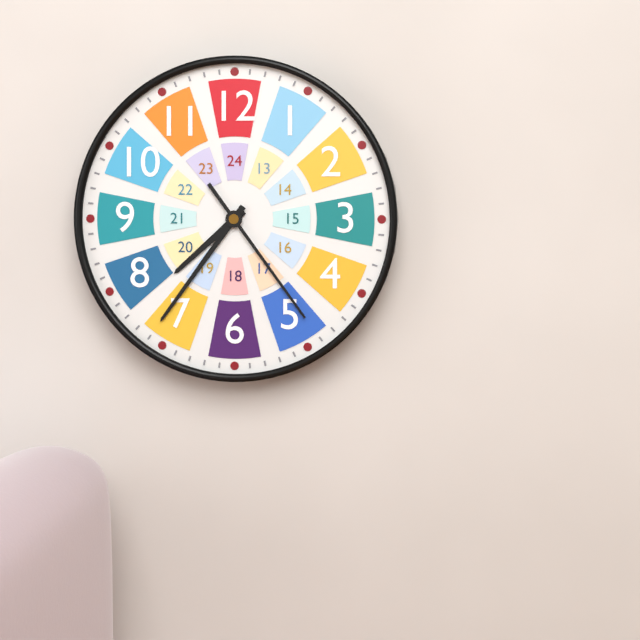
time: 7:36:24
